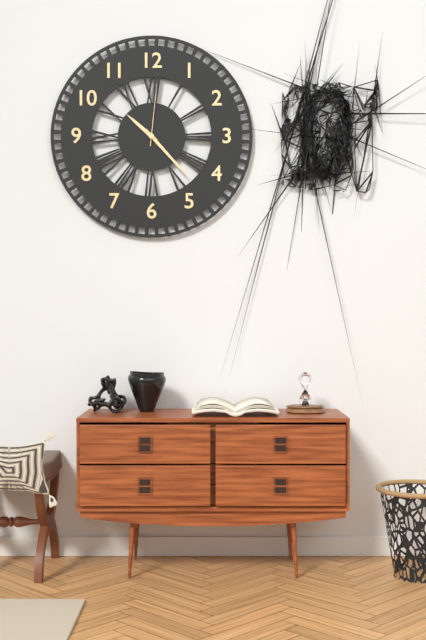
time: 10:23:01
